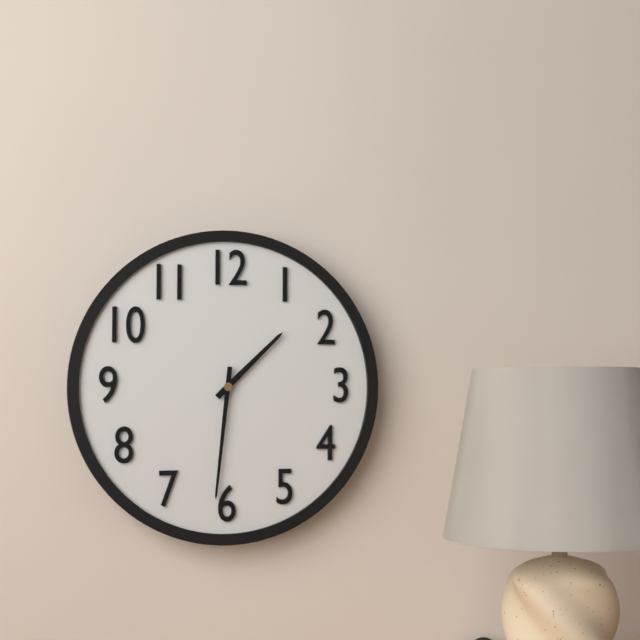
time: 1:31
